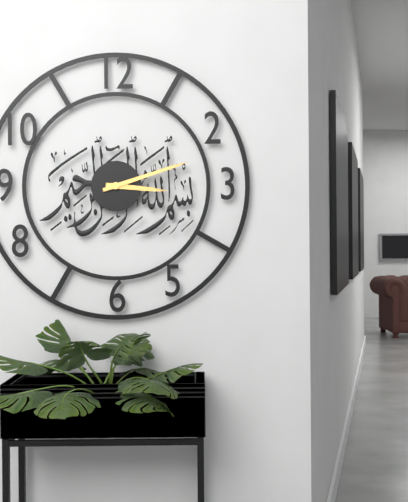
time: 3:12
